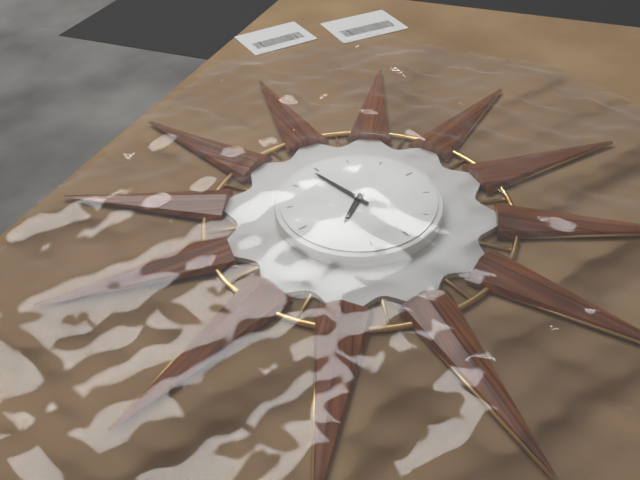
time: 7:59
